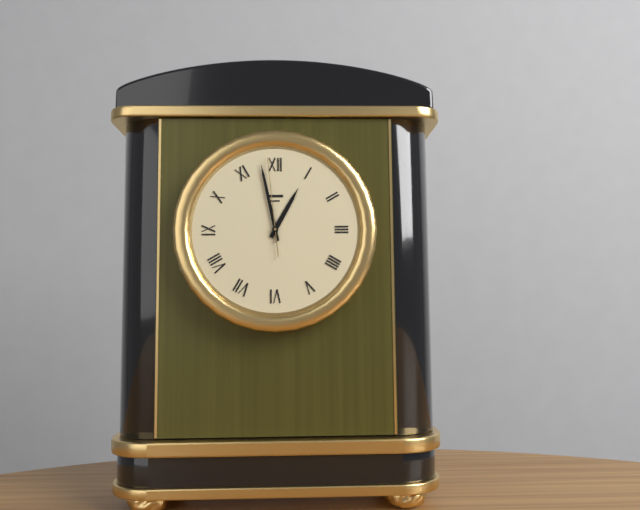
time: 12:58:59
